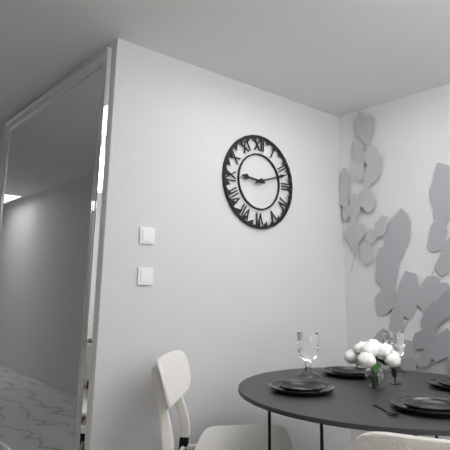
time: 9:12
